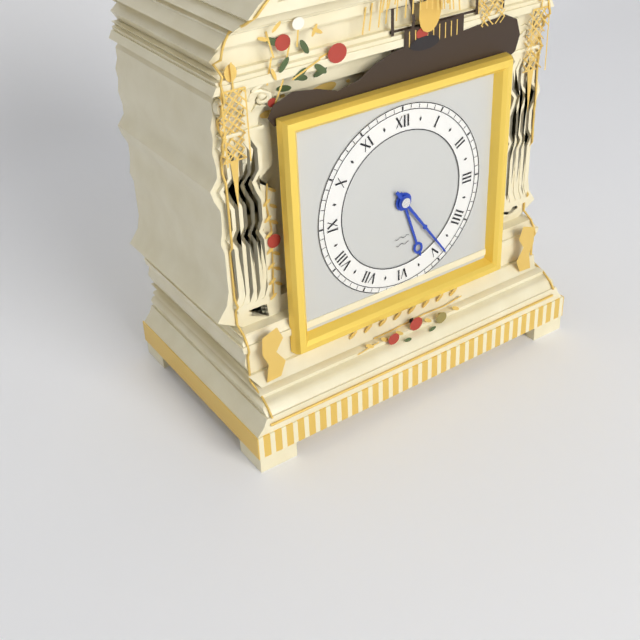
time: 5:24
